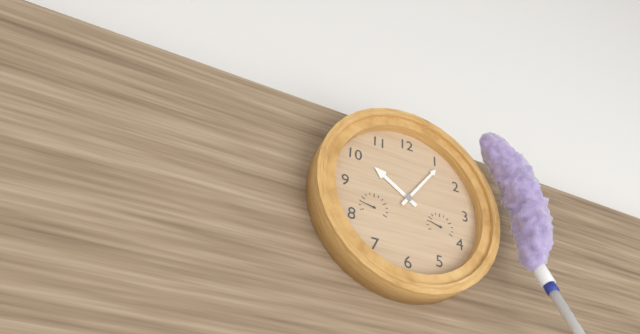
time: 10:06
